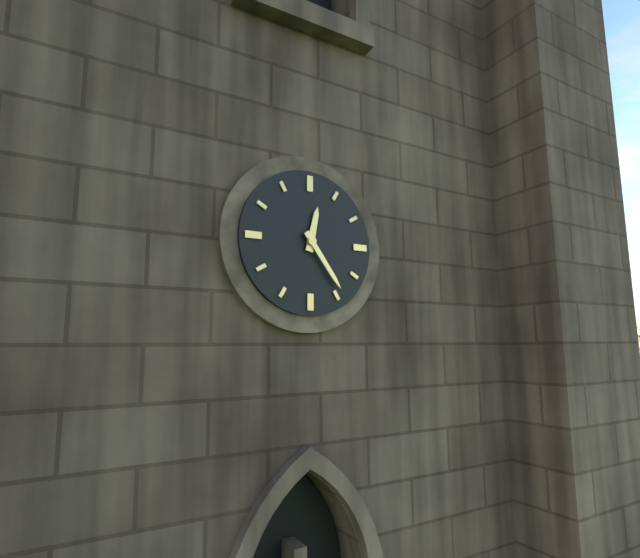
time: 12:24
